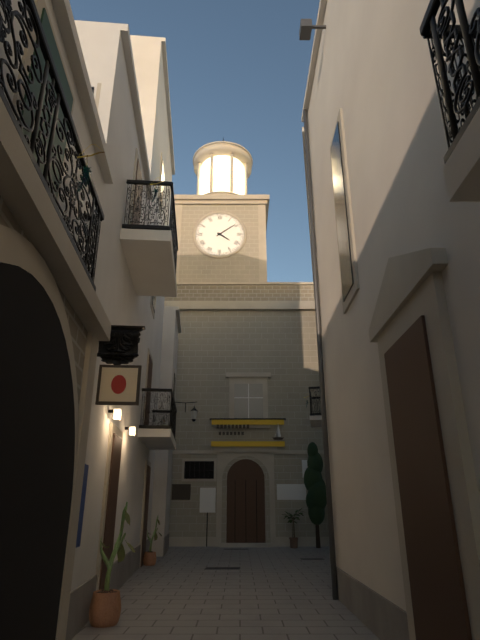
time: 4:09
